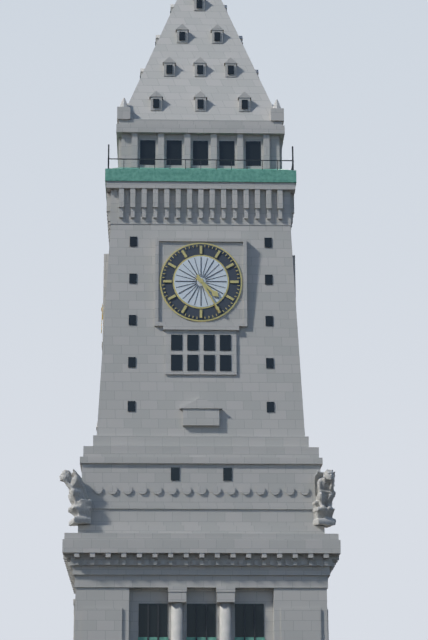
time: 4:25
